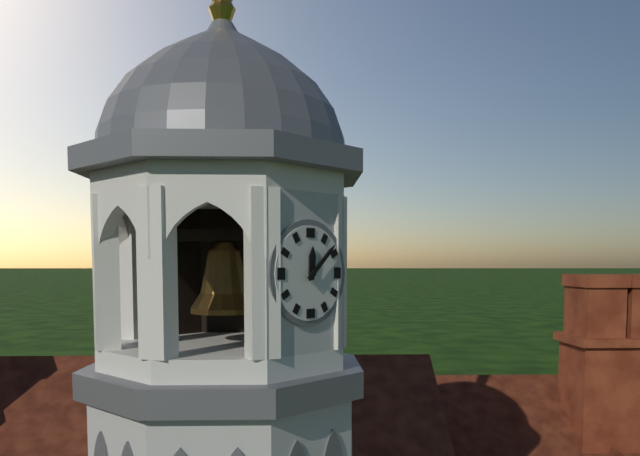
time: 12:08
